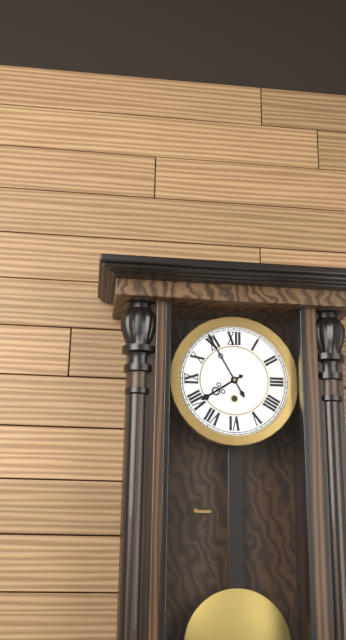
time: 7:55
